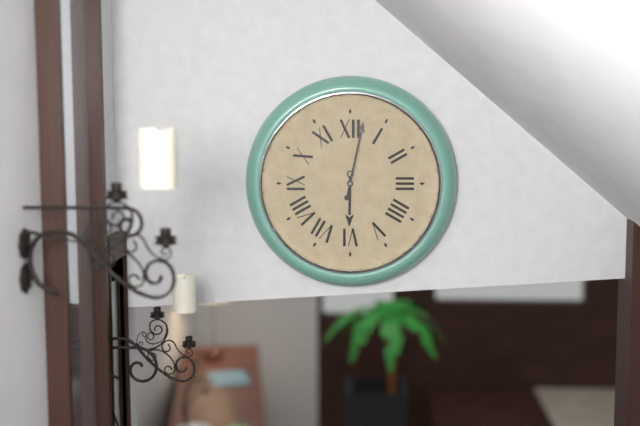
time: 6:02
